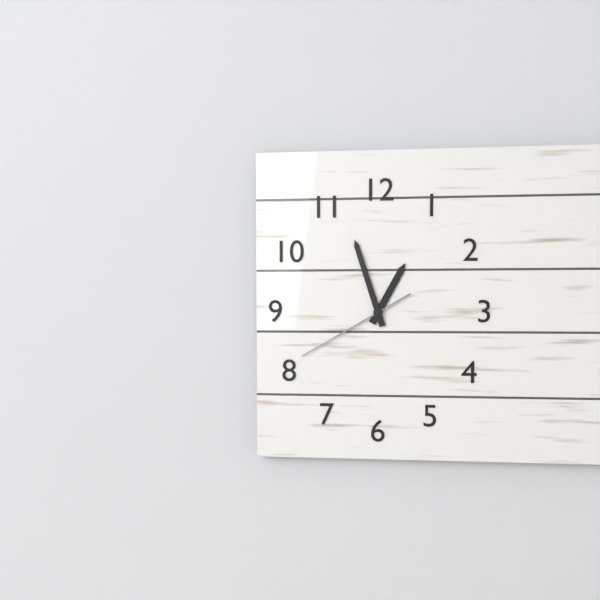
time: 12:57:40
